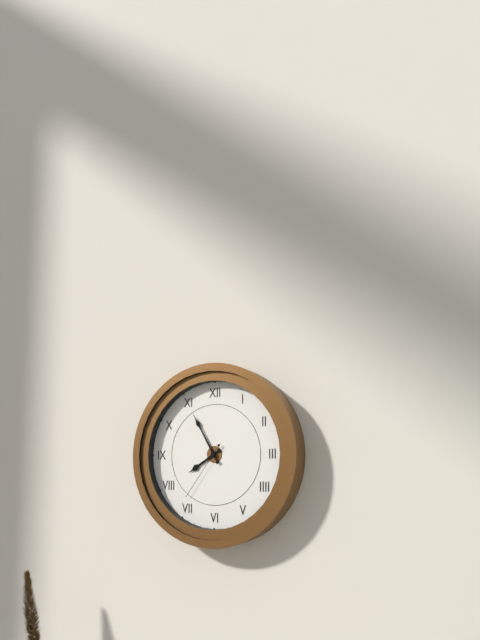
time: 7:55:36
